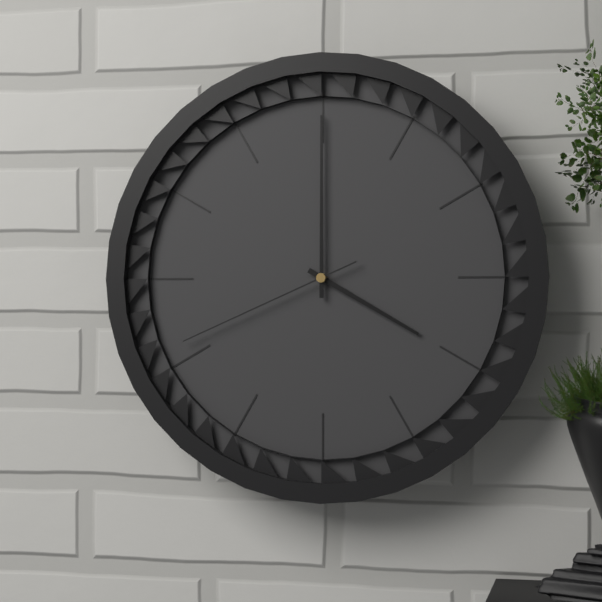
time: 4:00:41
